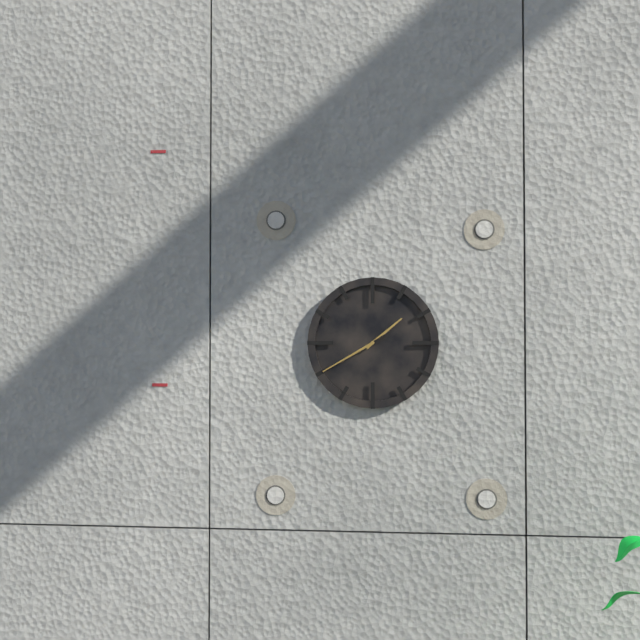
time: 1:40
